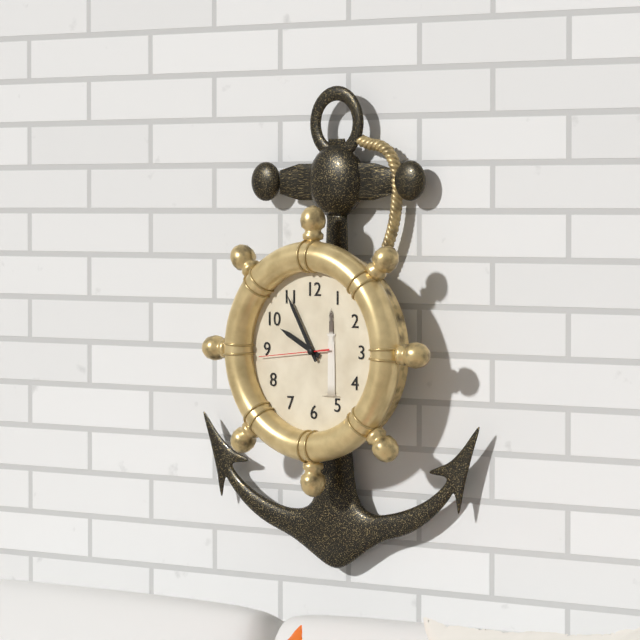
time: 9:55:44
